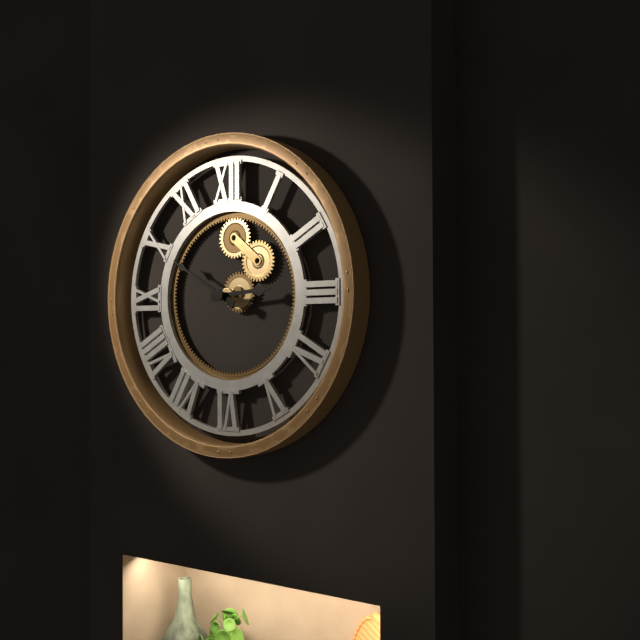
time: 2:50
